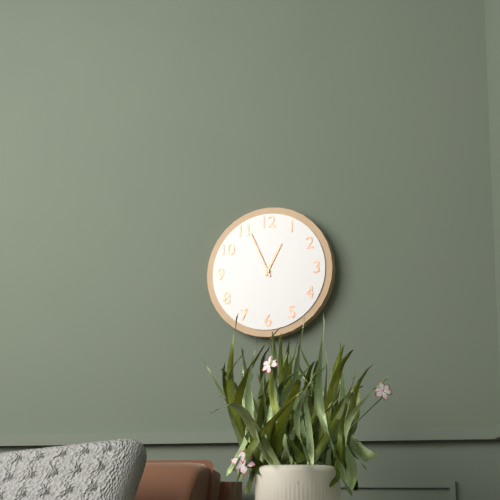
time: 12:56
